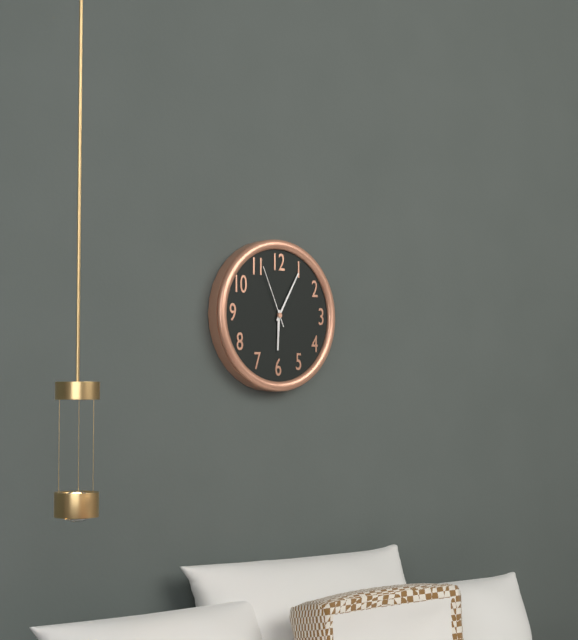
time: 6:05:56
